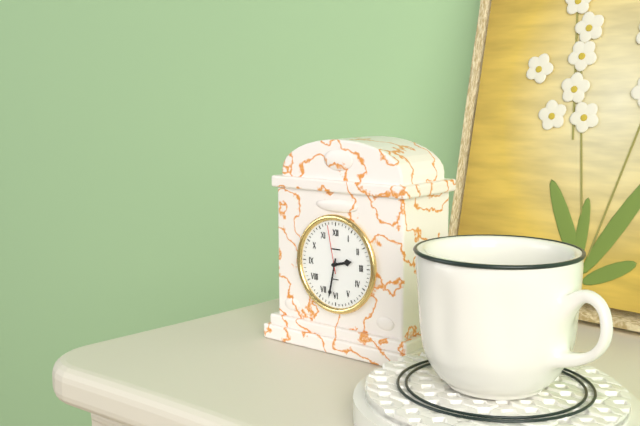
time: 2:32:58
